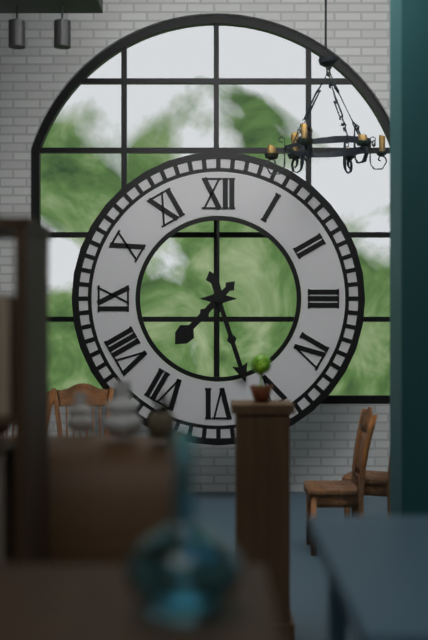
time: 7:27
